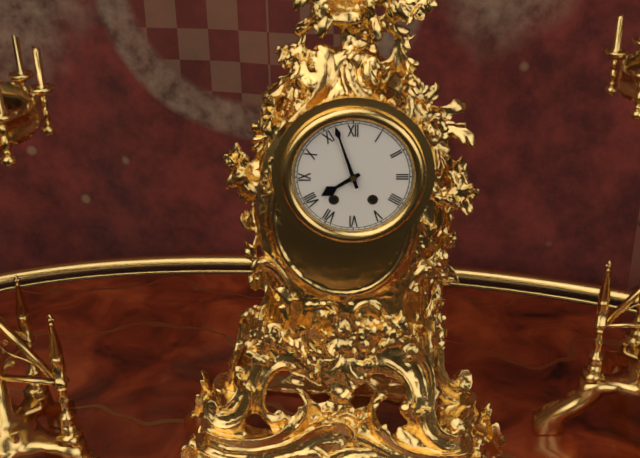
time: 7:57
